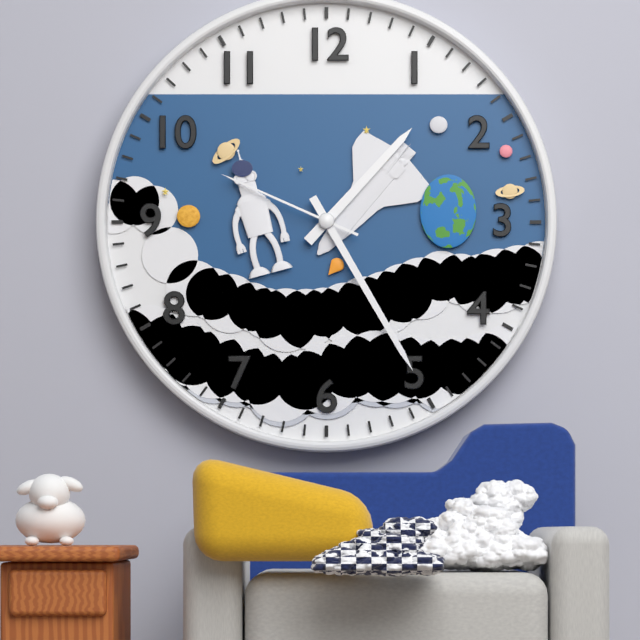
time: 1:25:49
